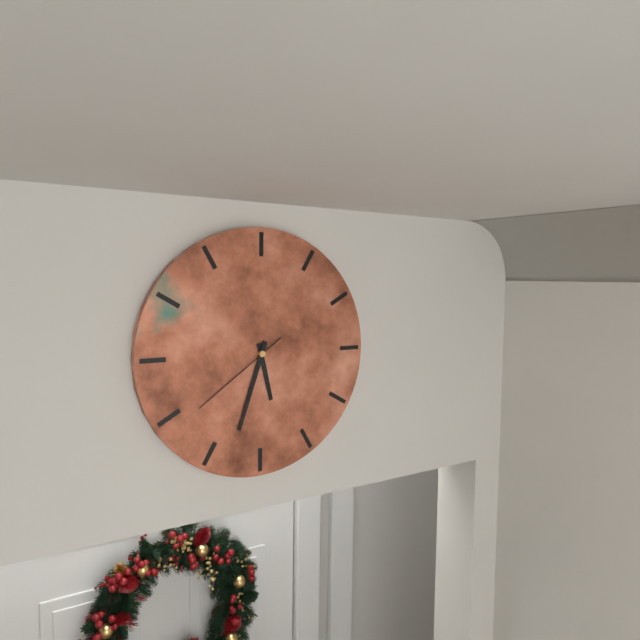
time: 5:33:39
